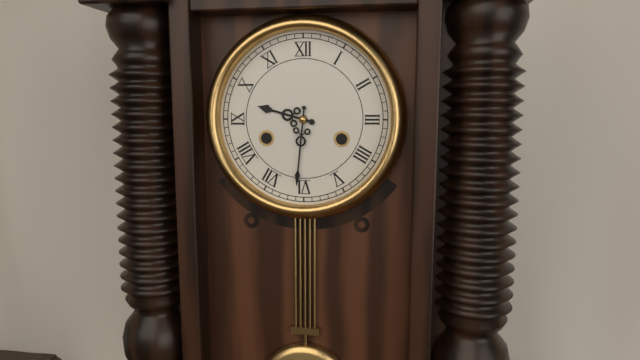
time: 9:31
